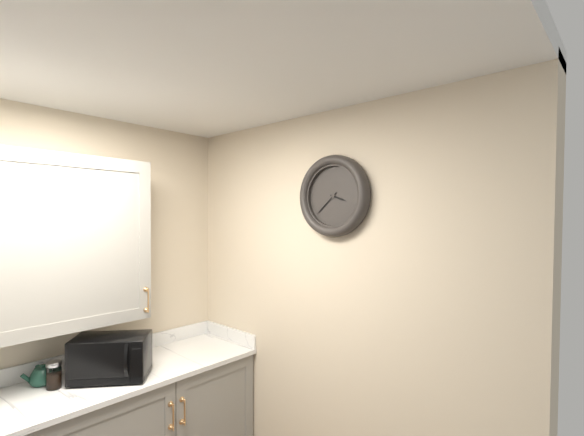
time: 3:38
